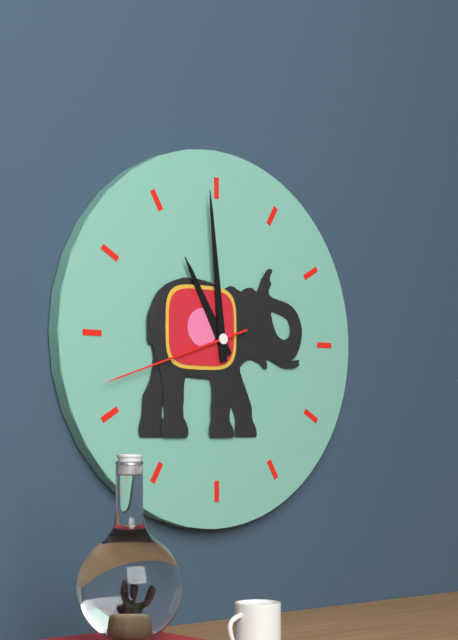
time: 10:59:42
